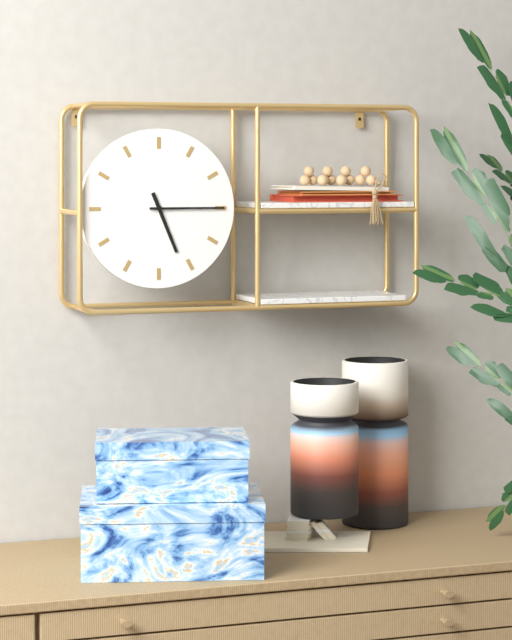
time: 5:15
